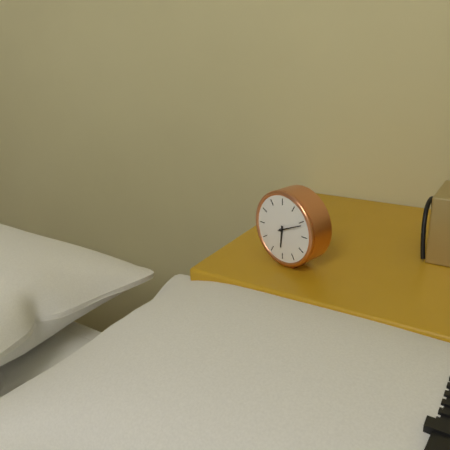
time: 6:11
